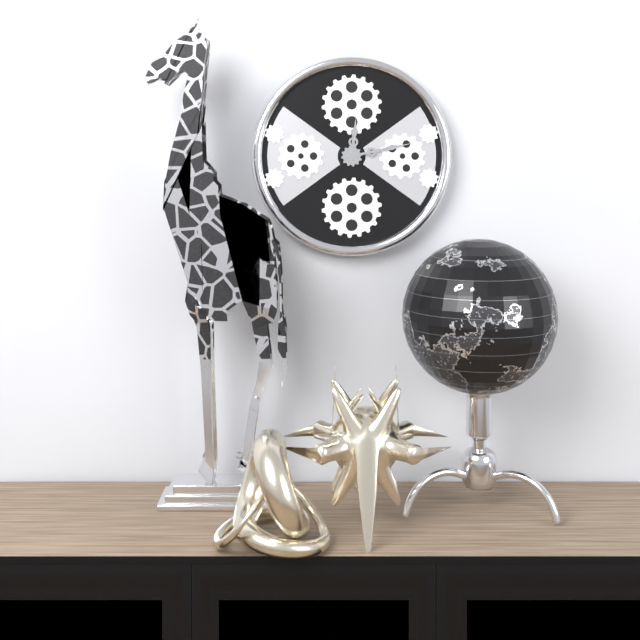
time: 12:13
